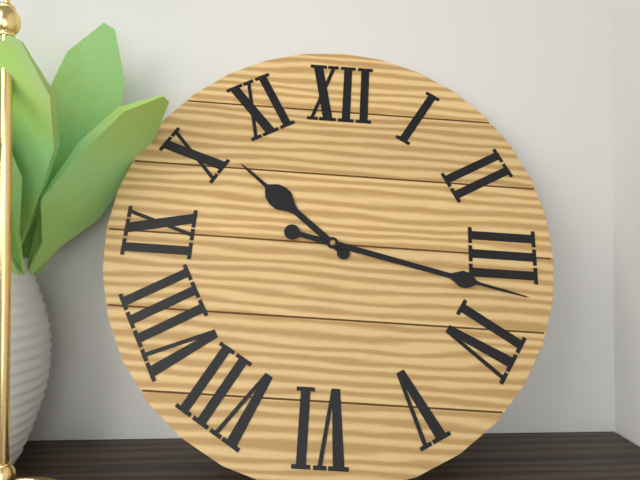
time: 10:17
